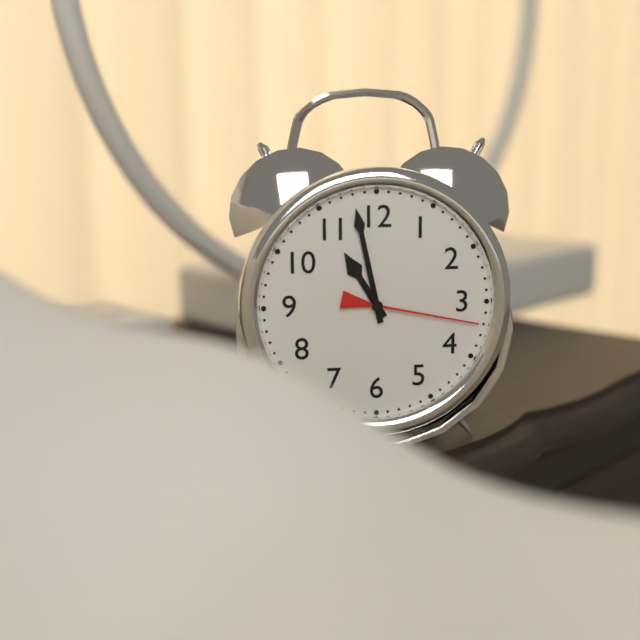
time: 10:58:17
